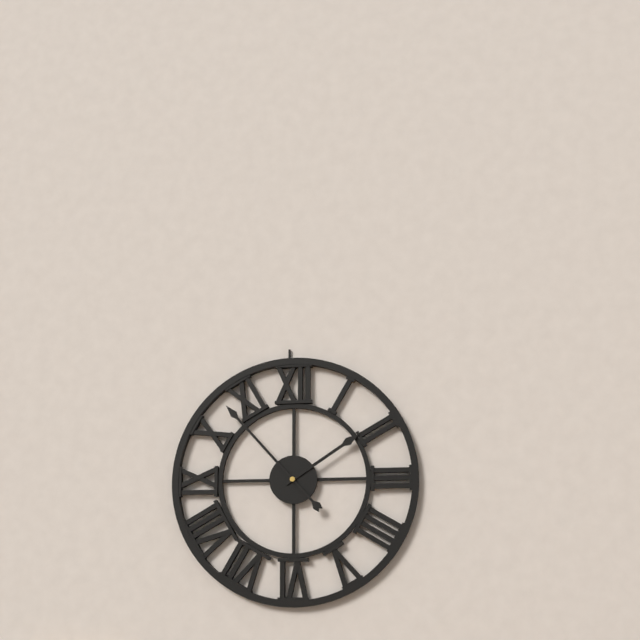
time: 1:53
